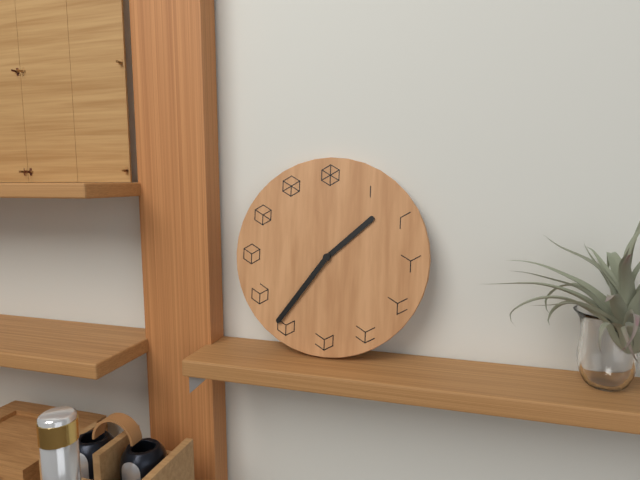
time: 1:36
